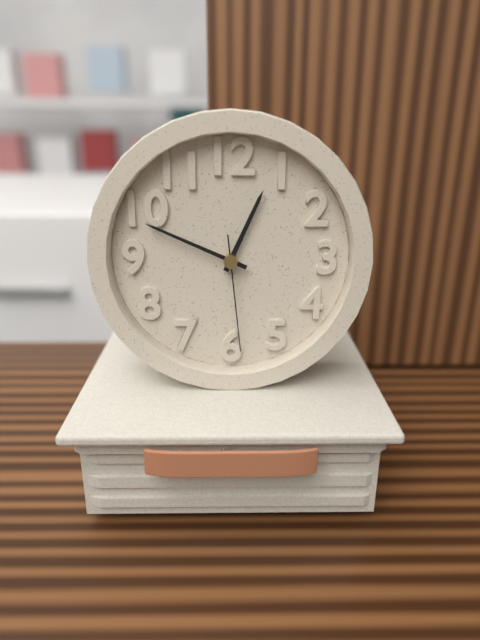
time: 12:49:29
